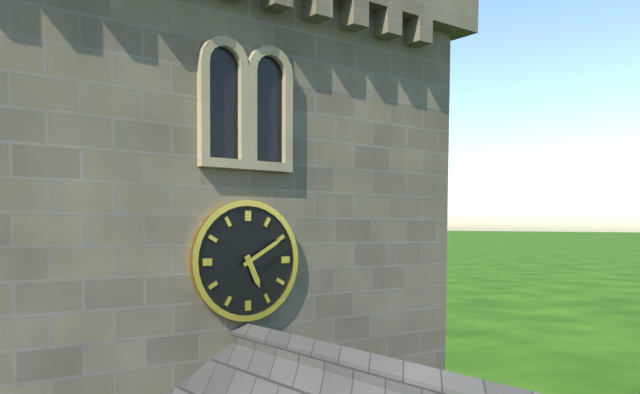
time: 5:10
